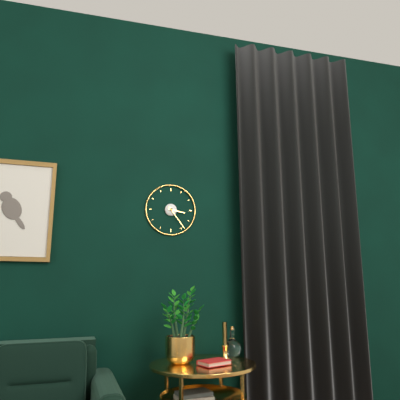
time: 3:24
